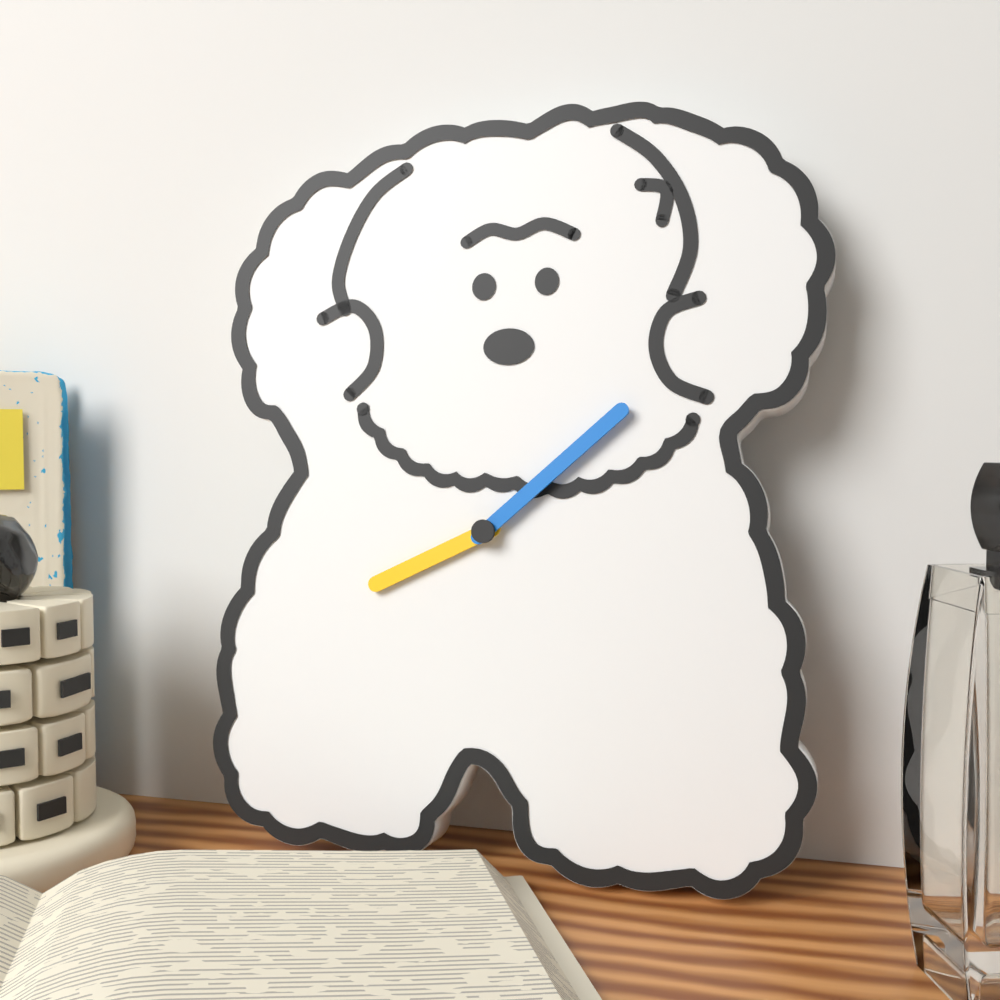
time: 8:08
